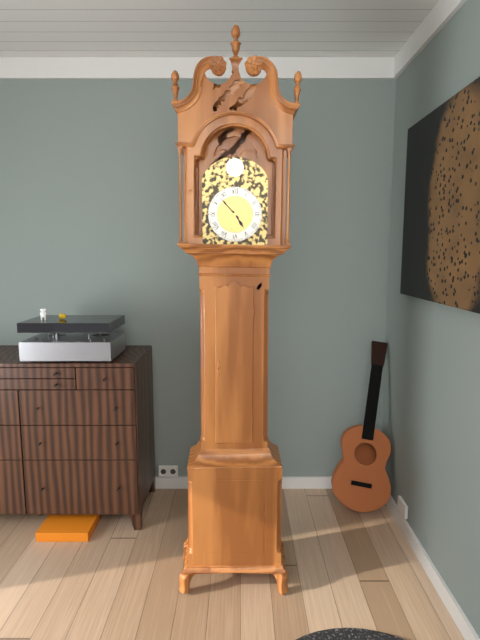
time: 4:53
